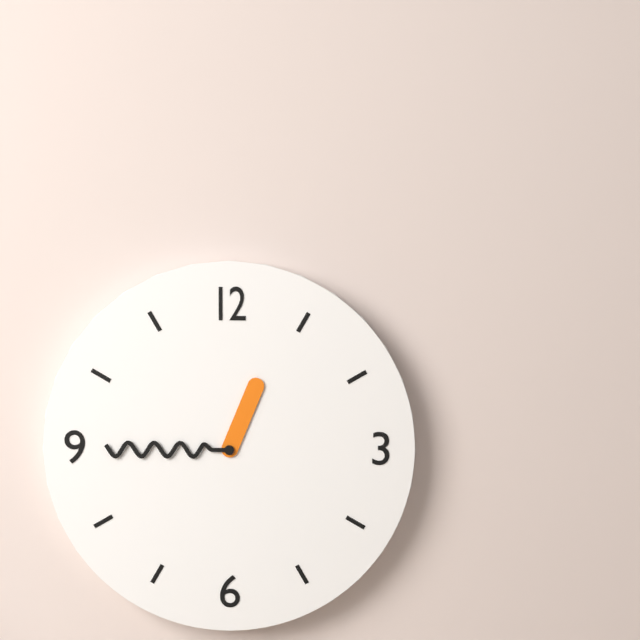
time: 12:45
